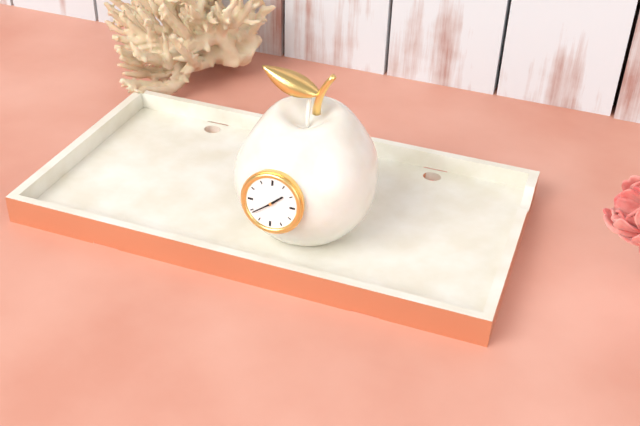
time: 1:39
